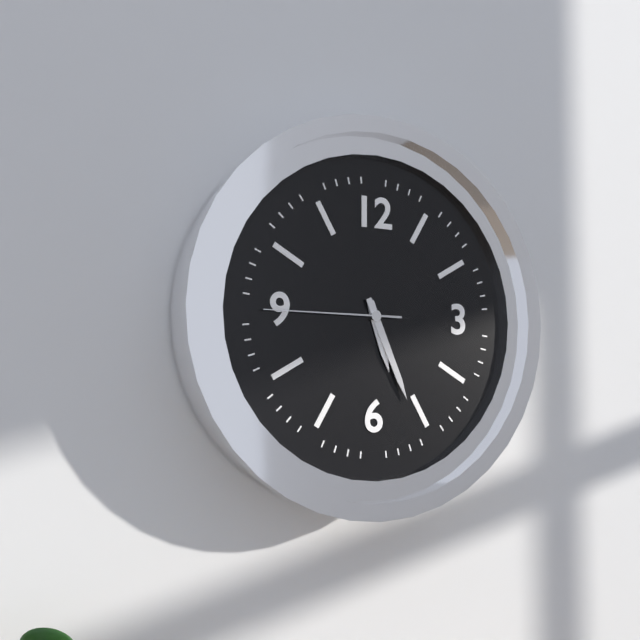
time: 5:26:45
